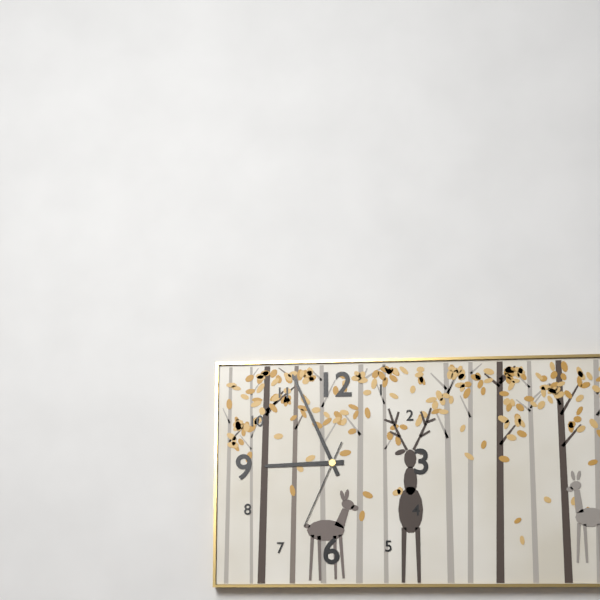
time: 8:56:34
